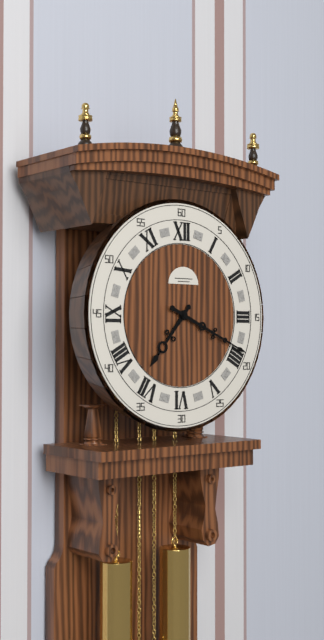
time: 7:19
